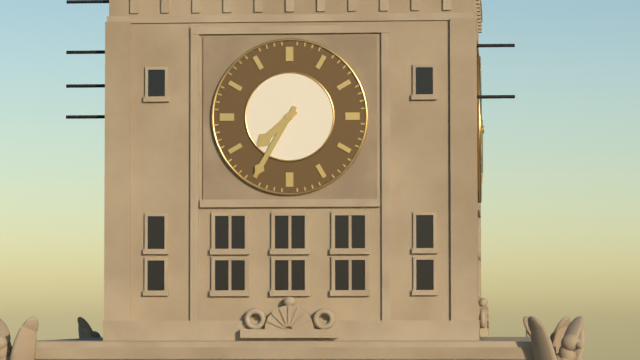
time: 7:35
